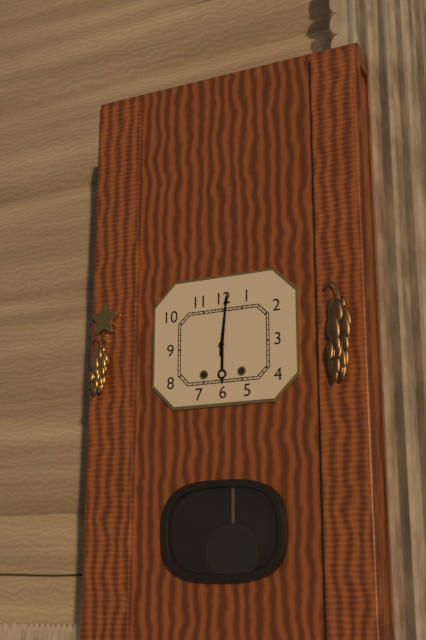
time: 6:01
